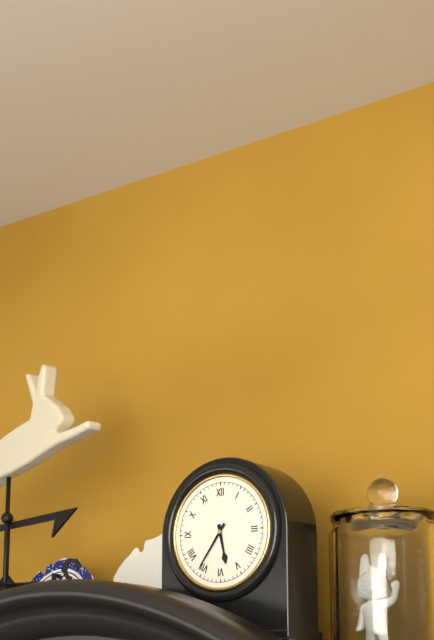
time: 5:36
